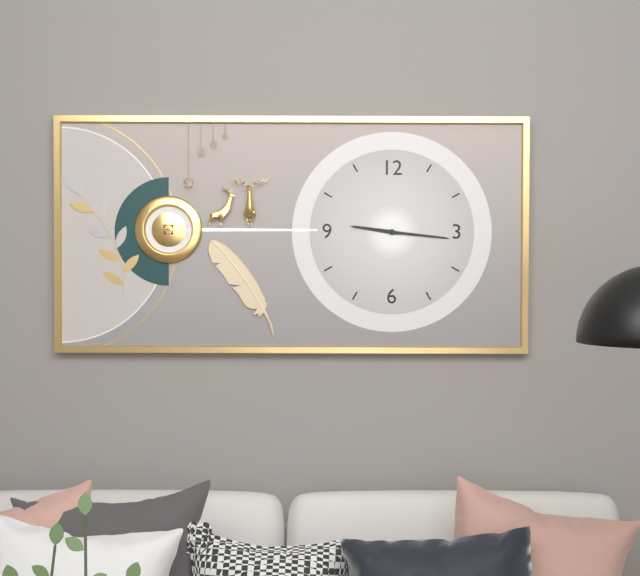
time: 9:16
